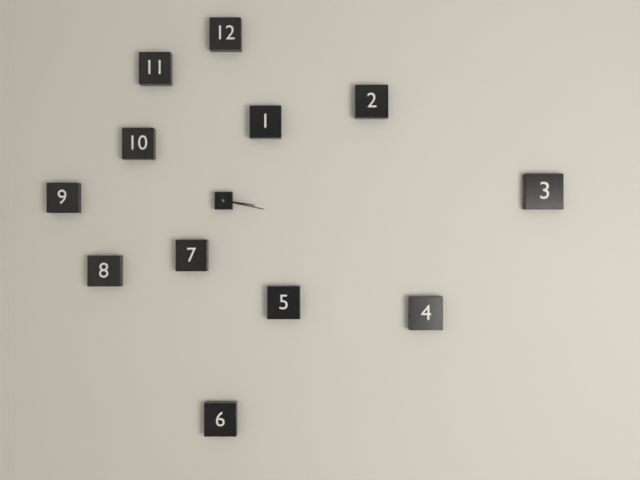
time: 3:17
